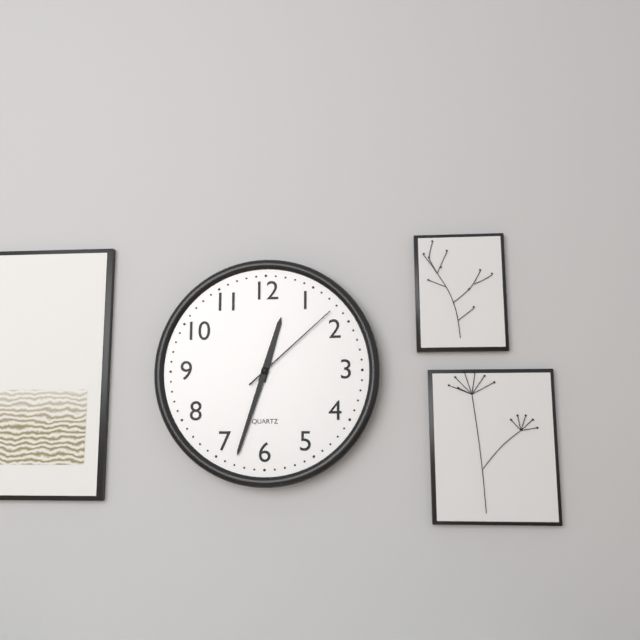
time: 12:33:08
